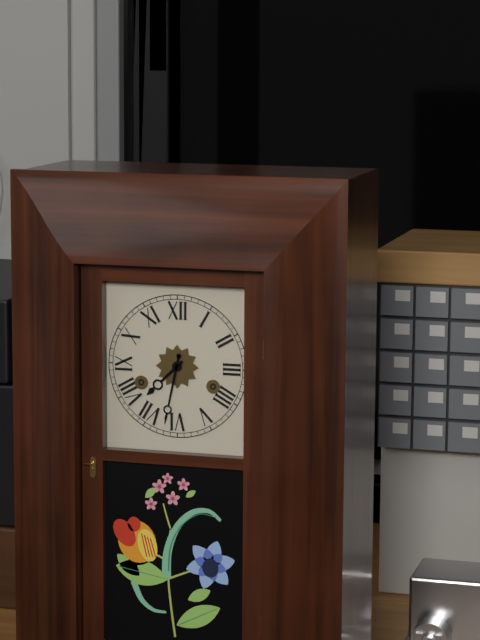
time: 7:32
